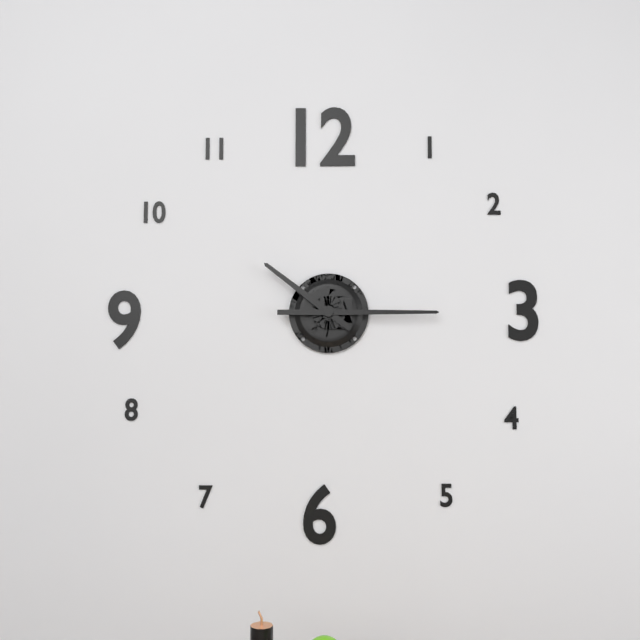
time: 10:15
